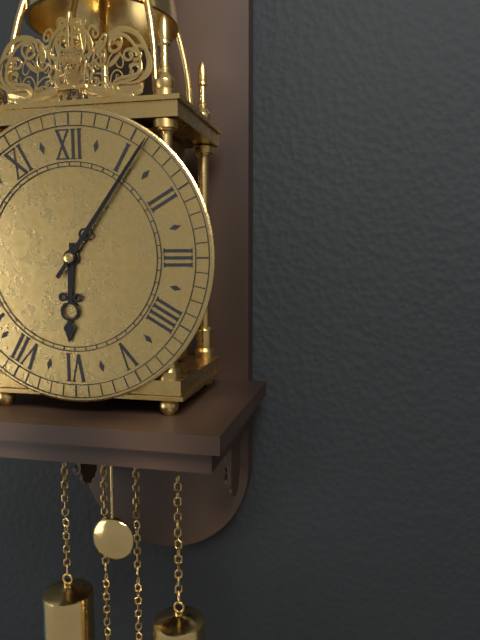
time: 6:06
